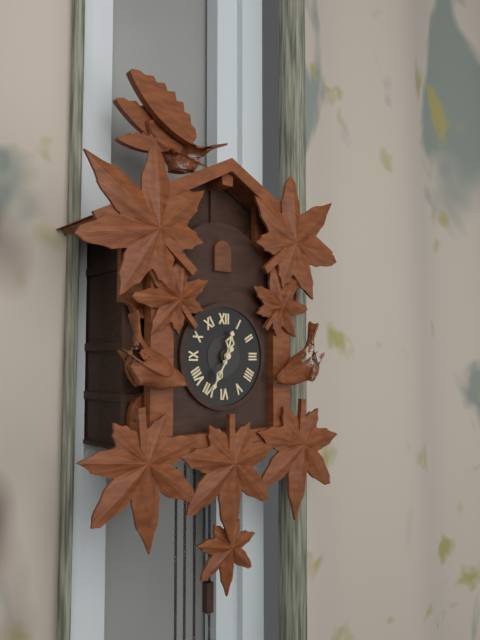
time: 12:35
